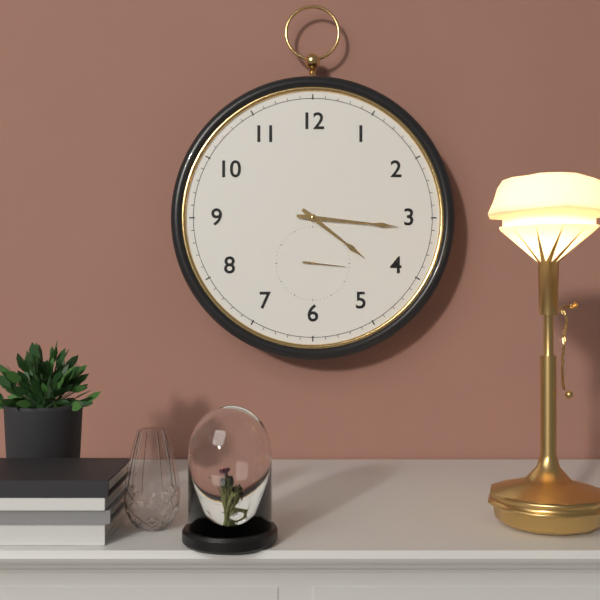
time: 4:16
